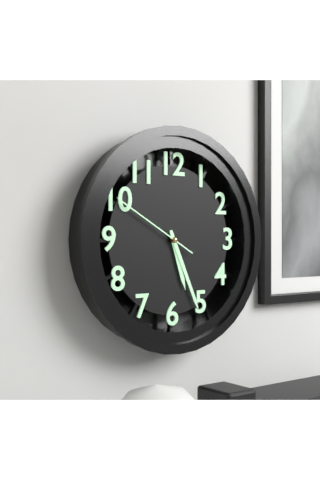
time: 5:26:50
